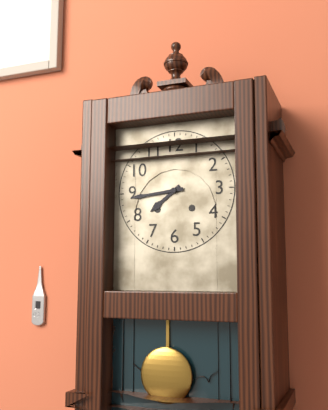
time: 7:44
